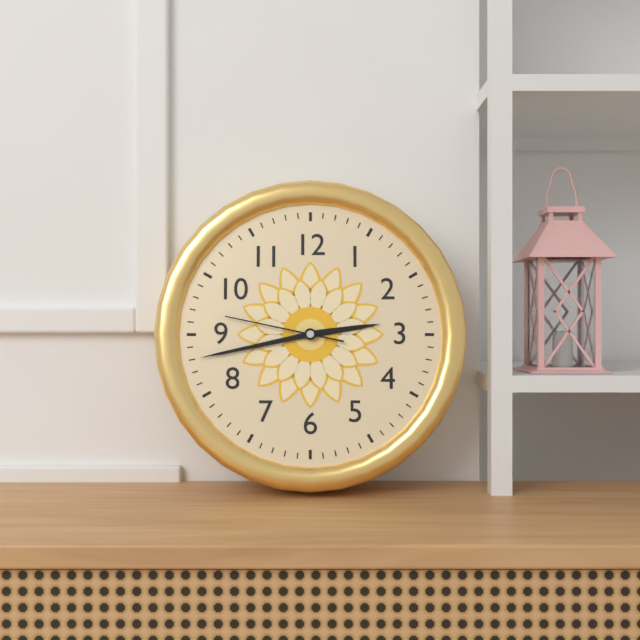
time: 2:43:47
